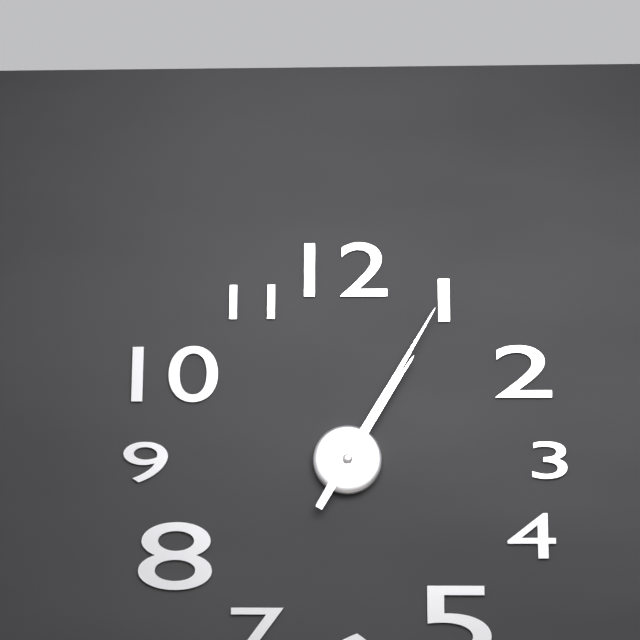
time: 1:05
